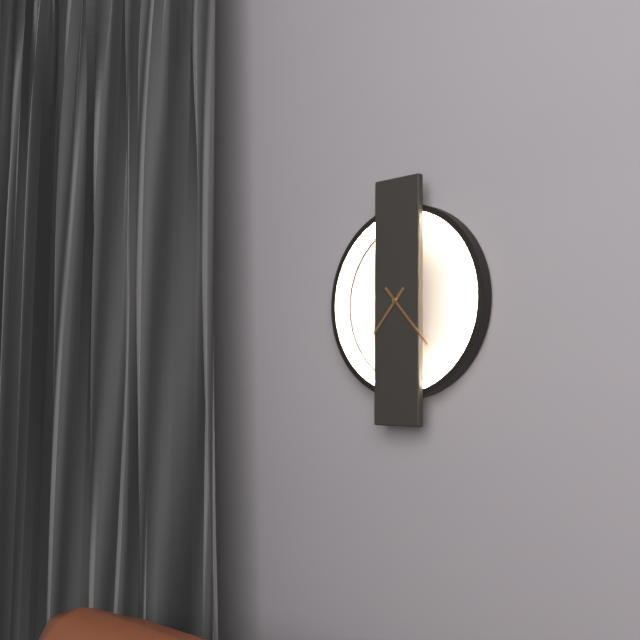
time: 7:23
